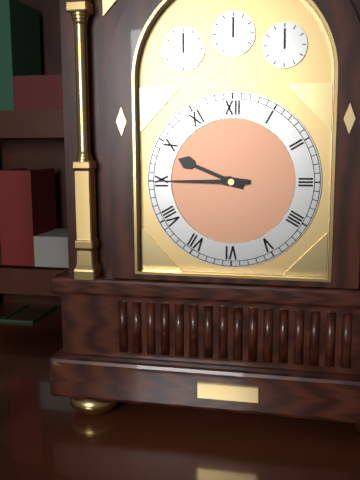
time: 9:45
